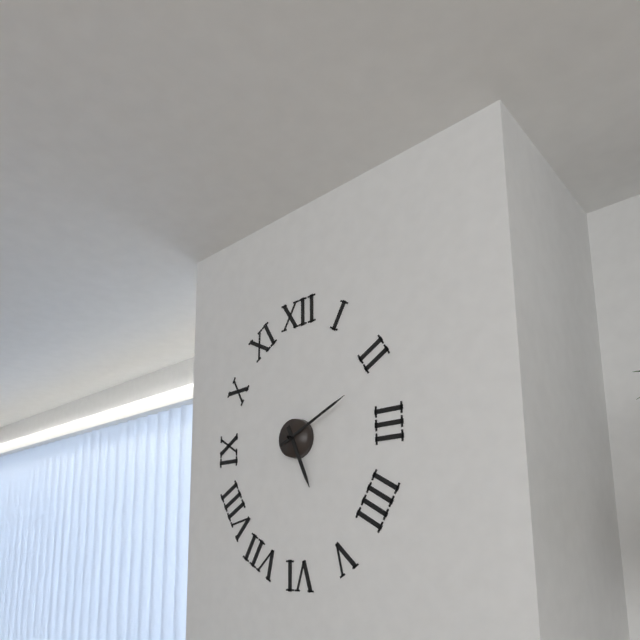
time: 5:11
